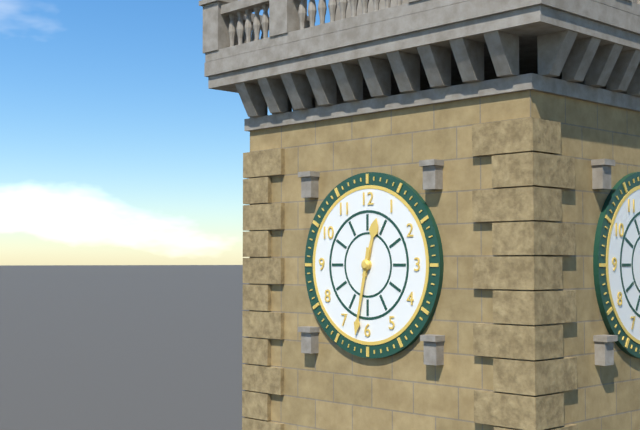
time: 12:32
